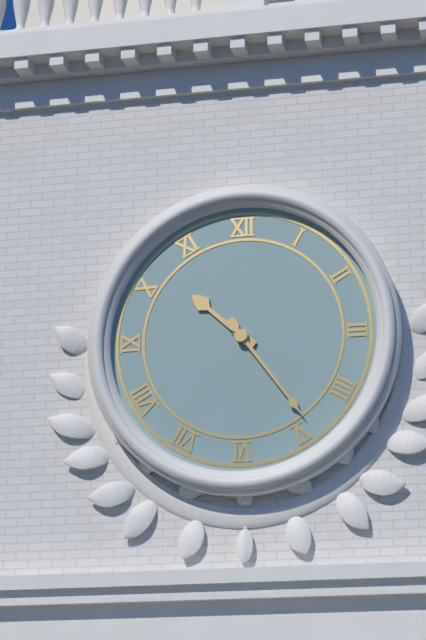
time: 10:24
